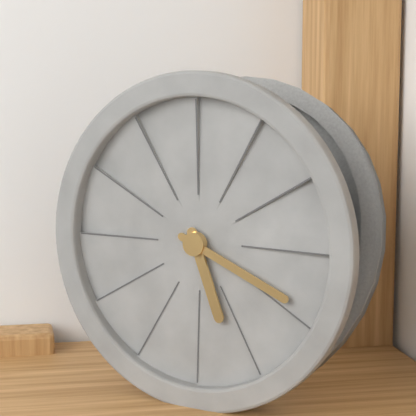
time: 5:19
